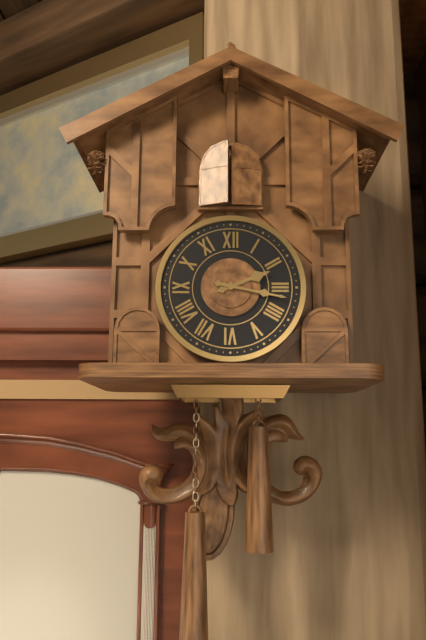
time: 2:17
